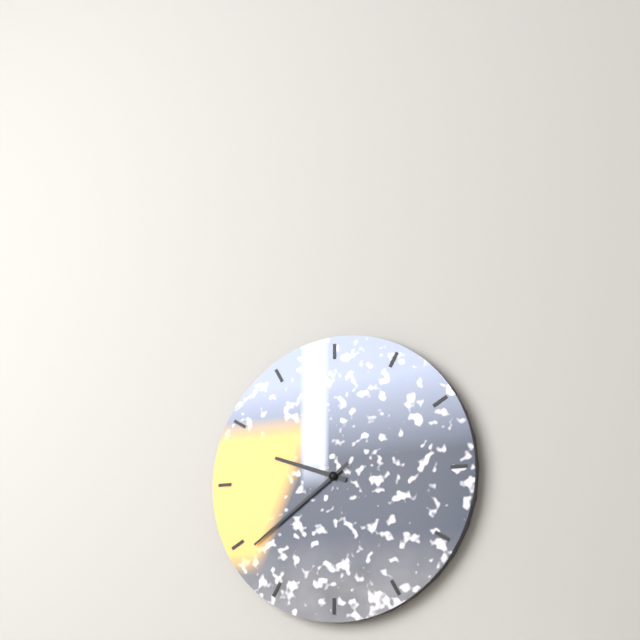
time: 9:39
